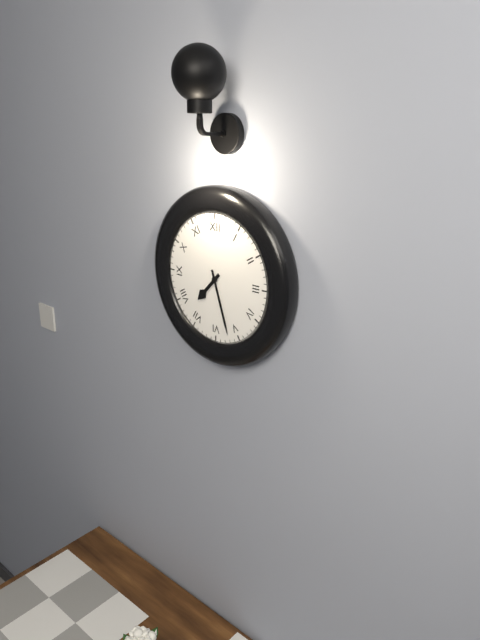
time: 7:27
